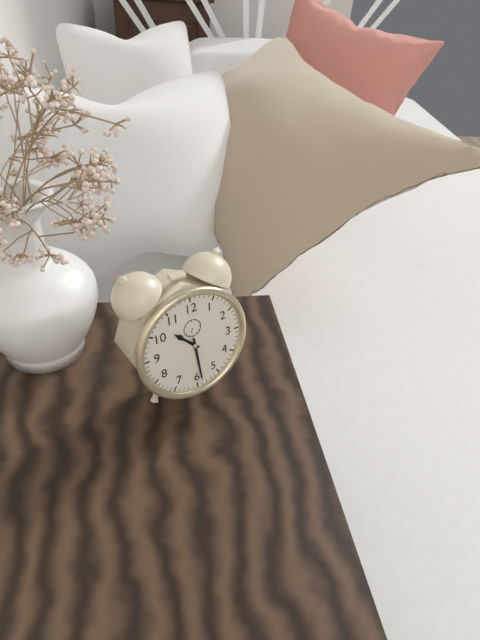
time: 10:29
